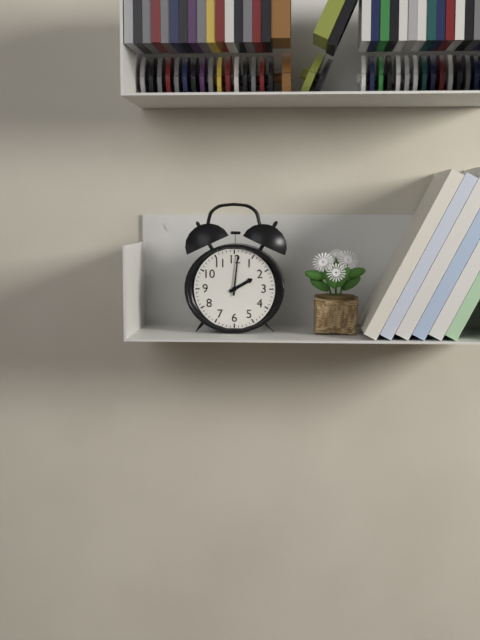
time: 2:01
